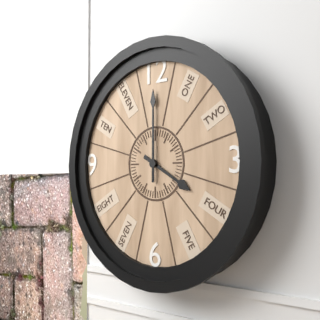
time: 4:00
